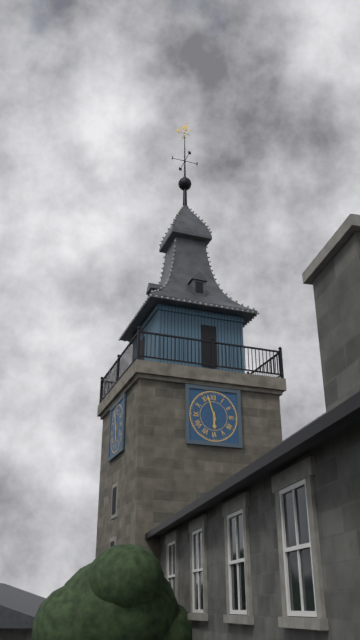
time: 5:57
